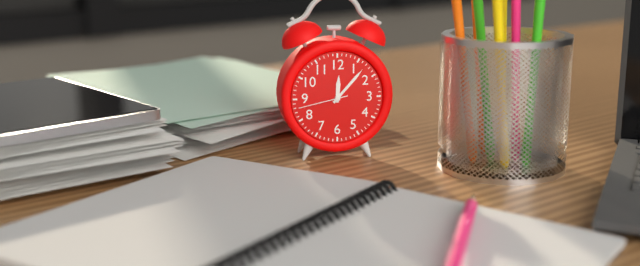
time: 12:07:43
